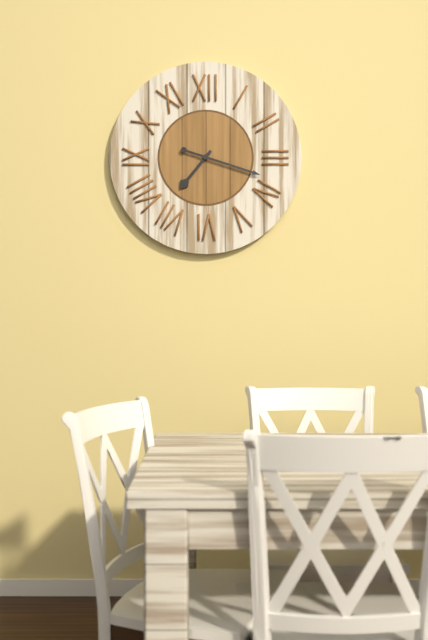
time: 7:18
